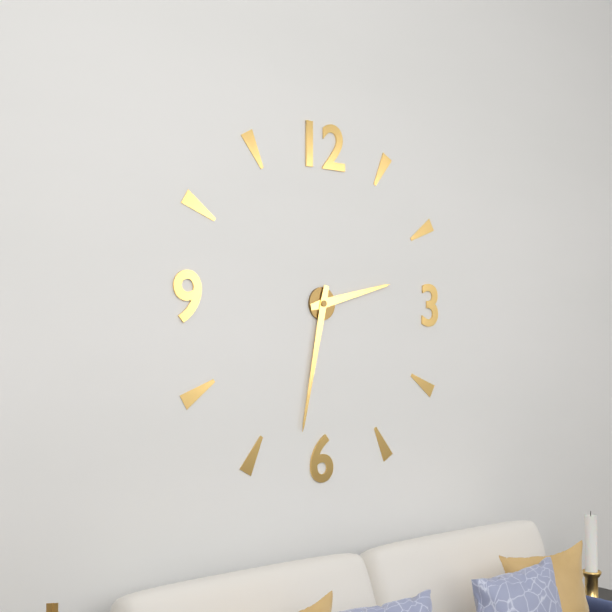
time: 2:32
